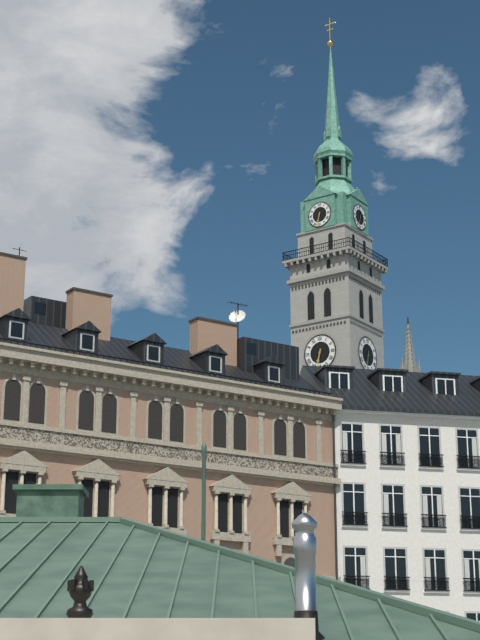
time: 6:32
